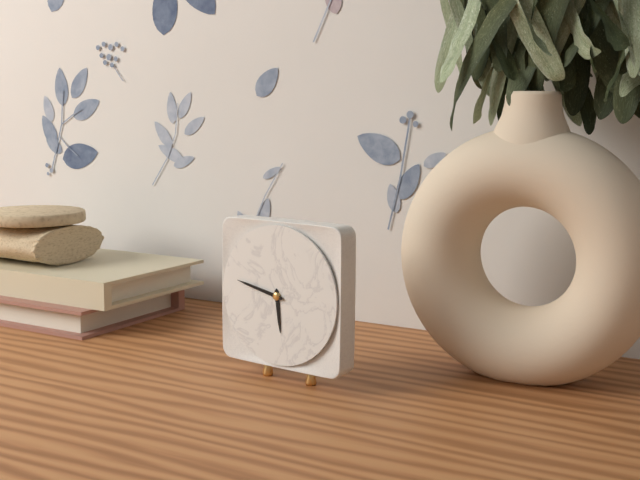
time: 5:47
